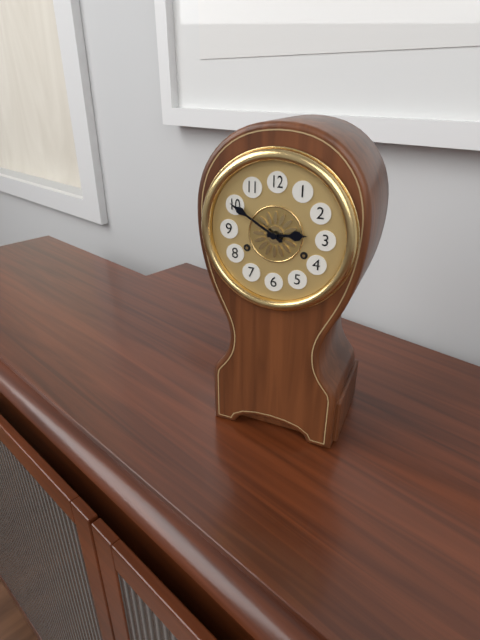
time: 2:50
